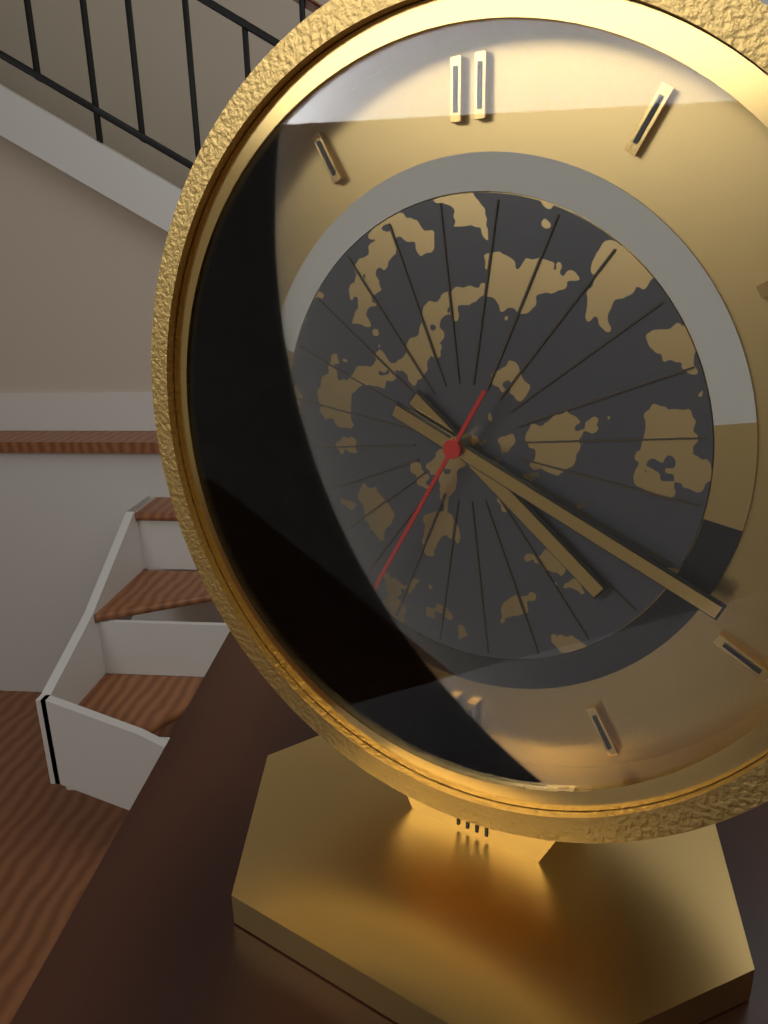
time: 4:19:35
